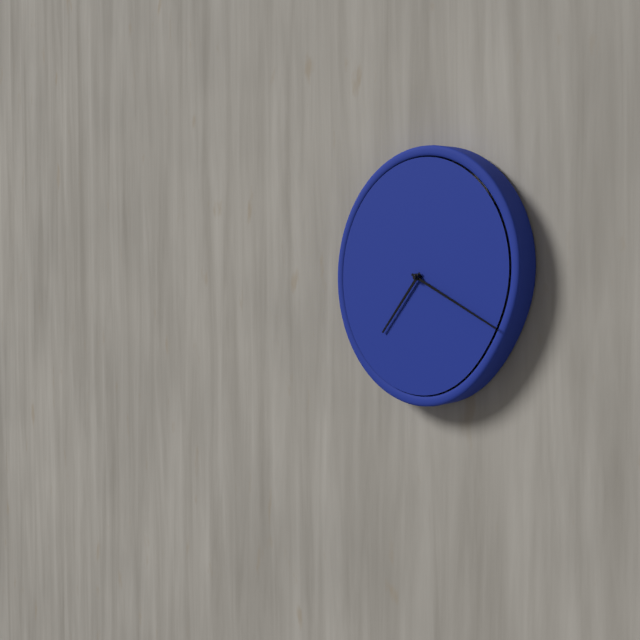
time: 7:19
